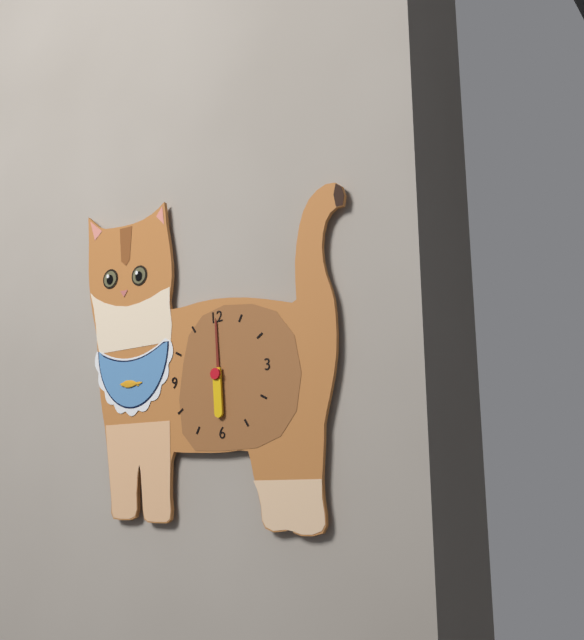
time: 6:00
